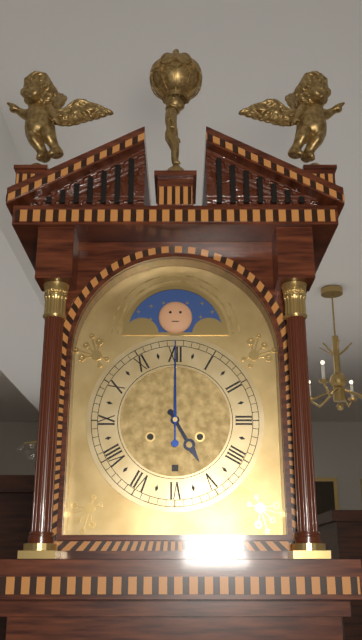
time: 5:00
